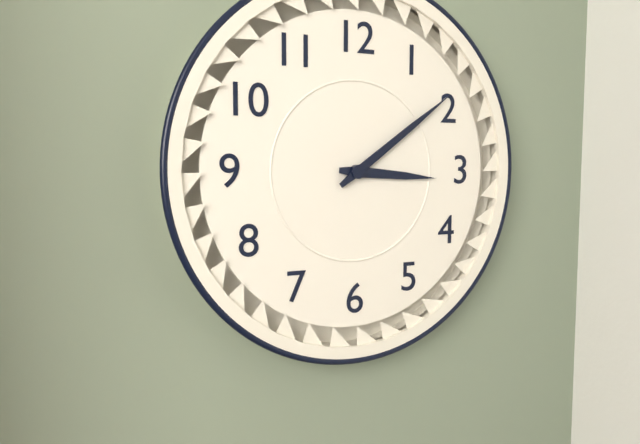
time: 3:09
